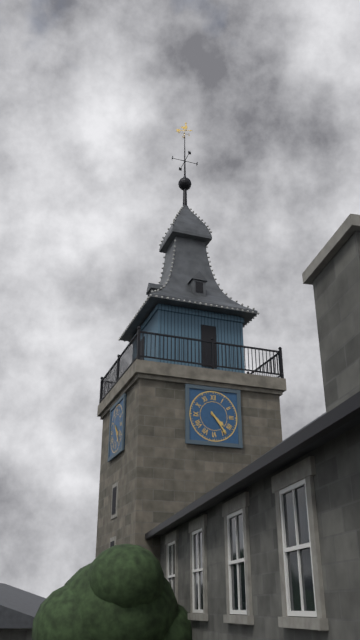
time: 4:24
